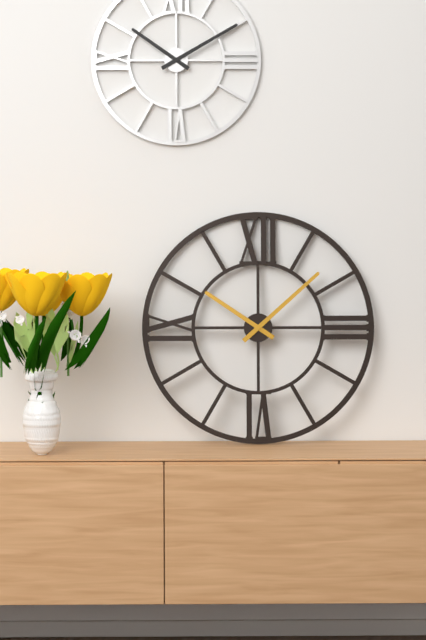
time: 10:08
